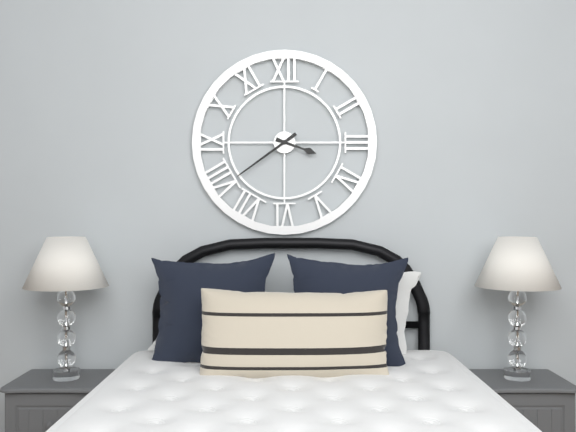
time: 3:39
